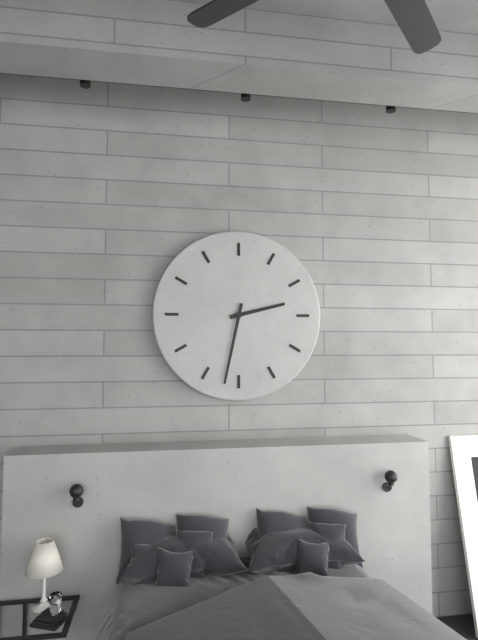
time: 2:32
